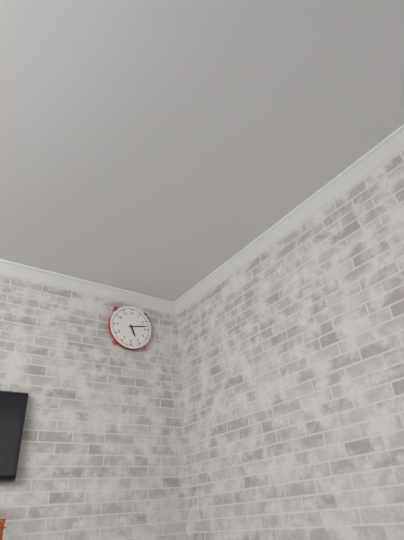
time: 5:13
